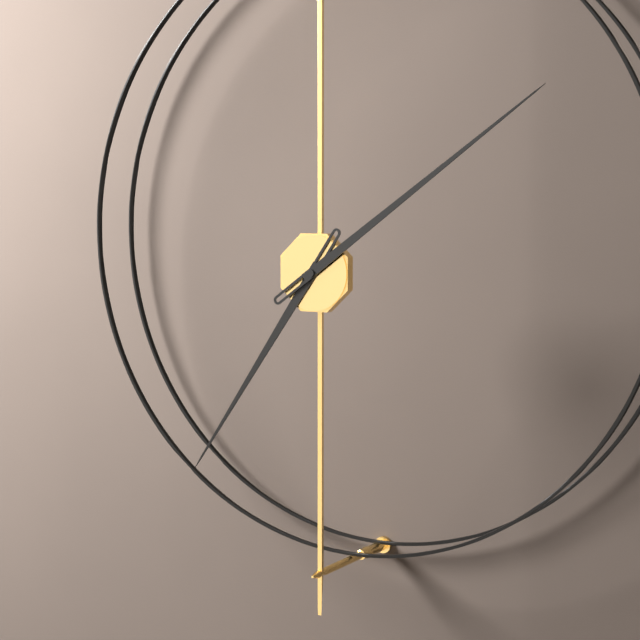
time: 7:09
